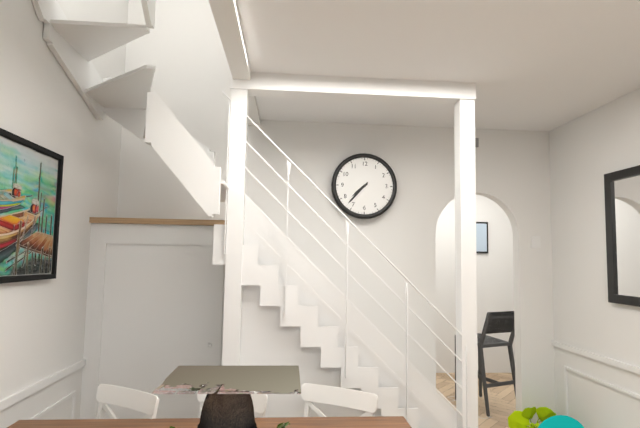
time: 7:37
